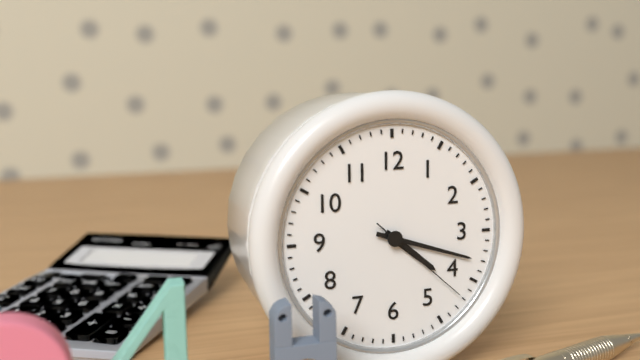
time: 4:18:22
